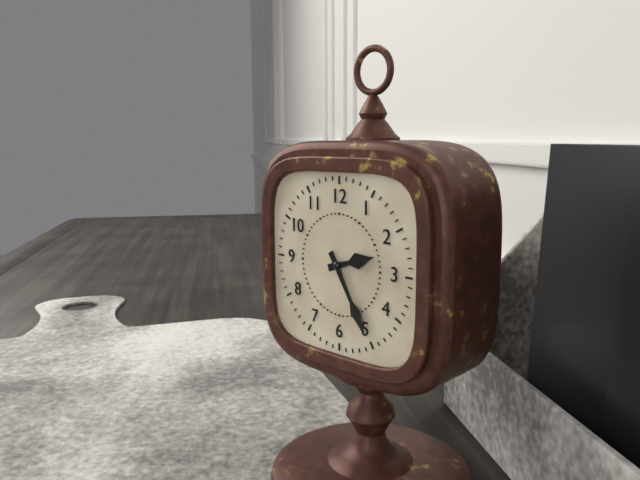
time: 2:25
